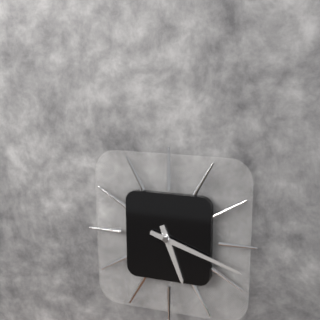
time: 5:18
